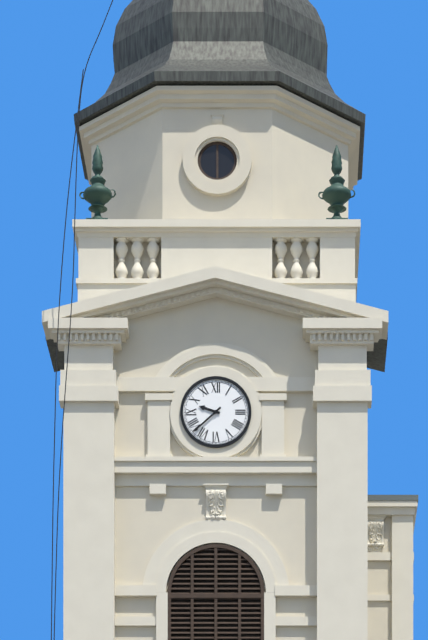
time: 9:38
